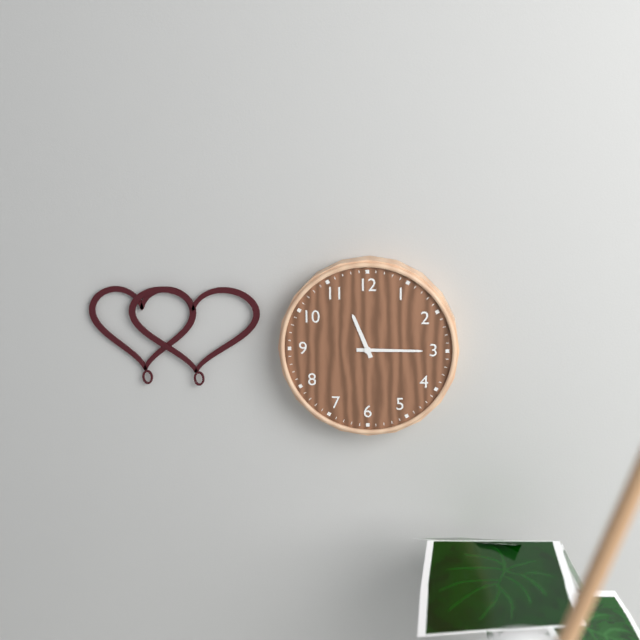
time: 11:15
